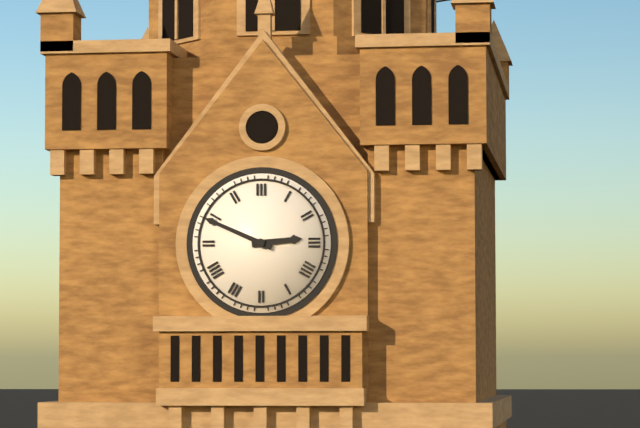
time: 2:49
